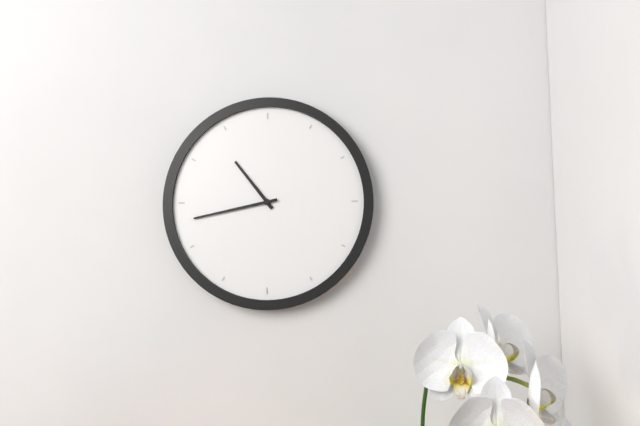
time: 10:43
